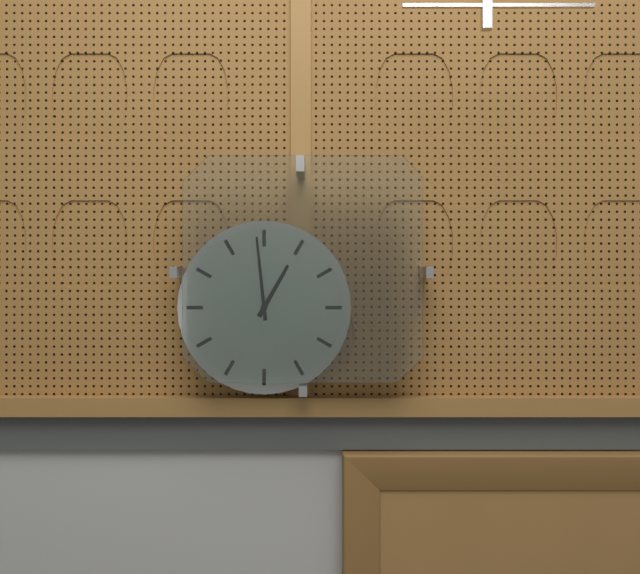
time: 12:59
